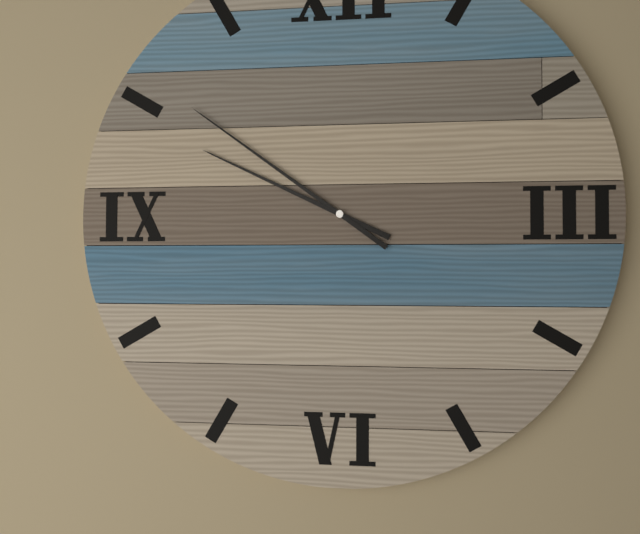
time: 9:51
